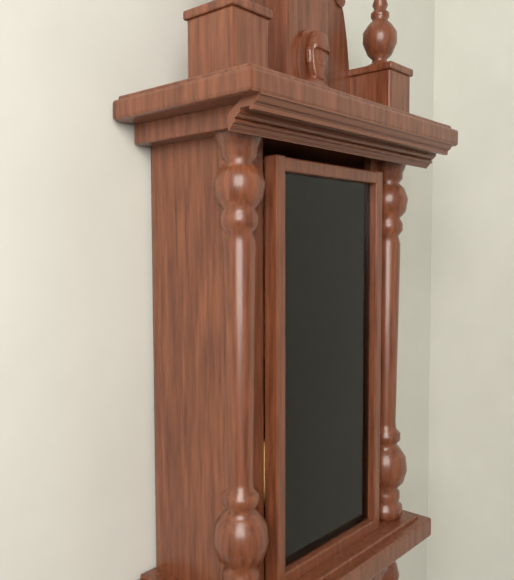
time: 2:49
